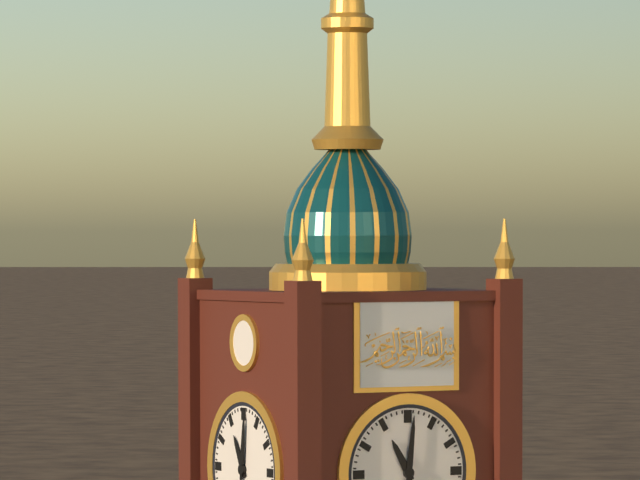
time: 11:01
